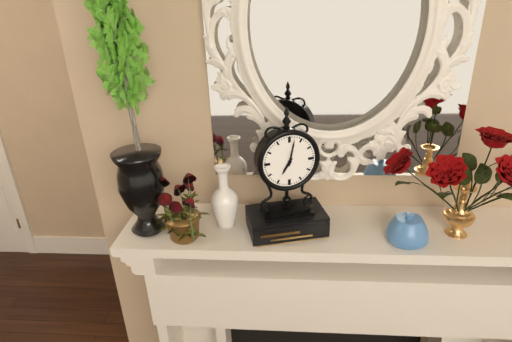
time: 7:02
